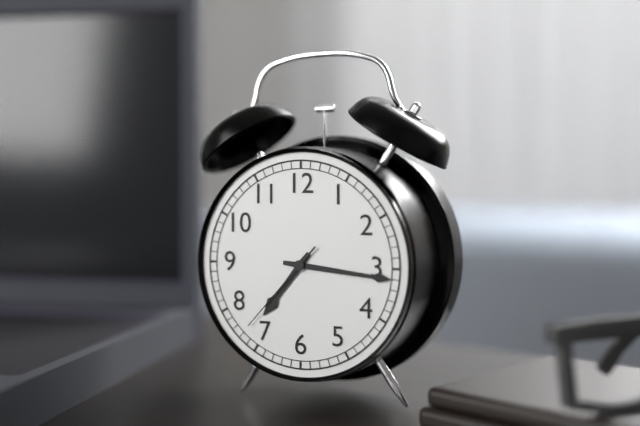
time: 7:16:37
